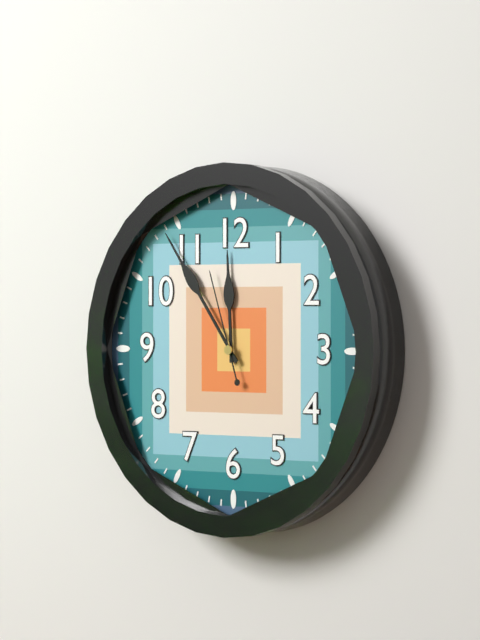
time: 11:54:57
